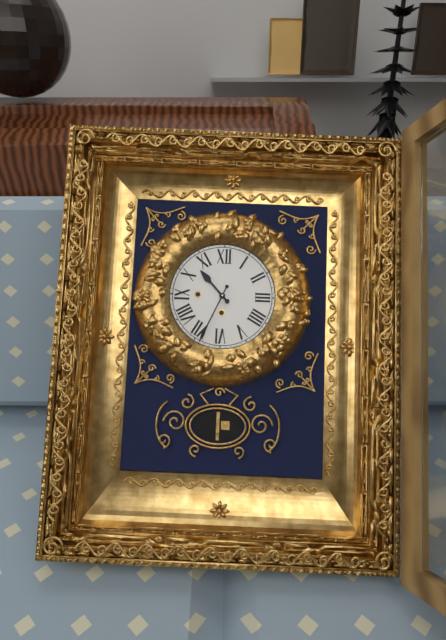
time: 10:34
